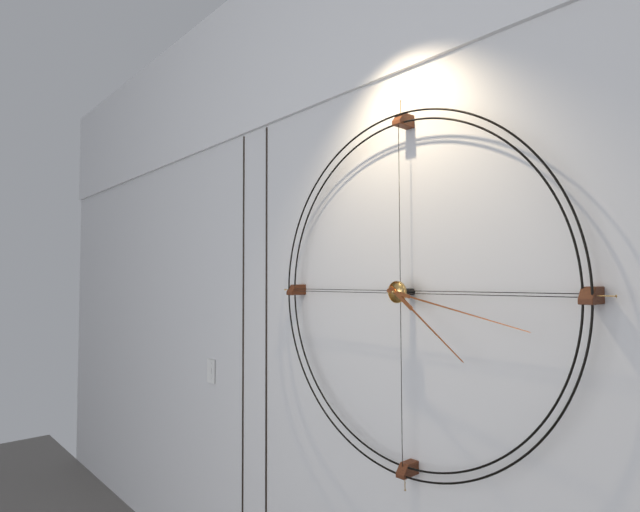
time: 4:17
